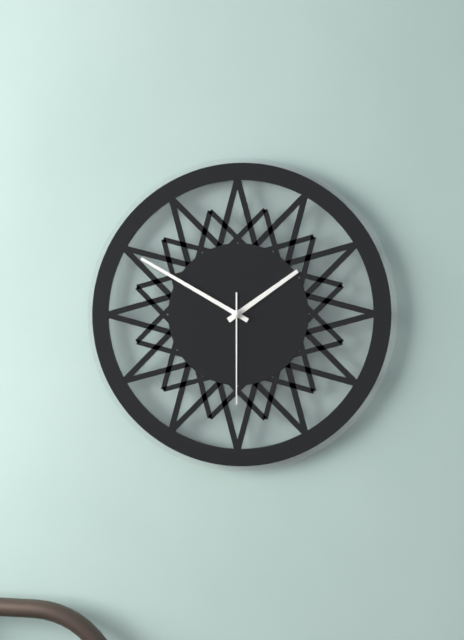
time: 1:50:30
